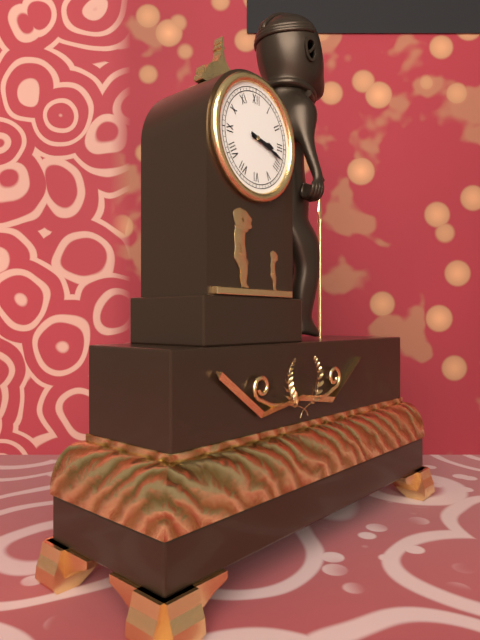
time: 3:18
